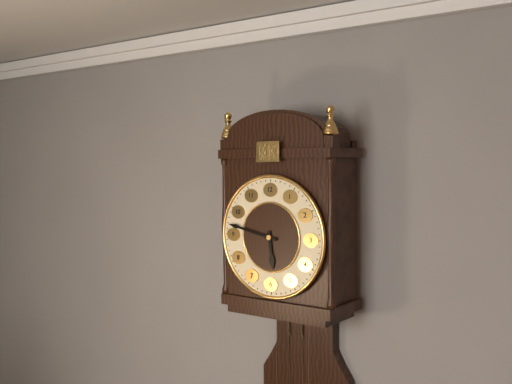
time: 5:47
